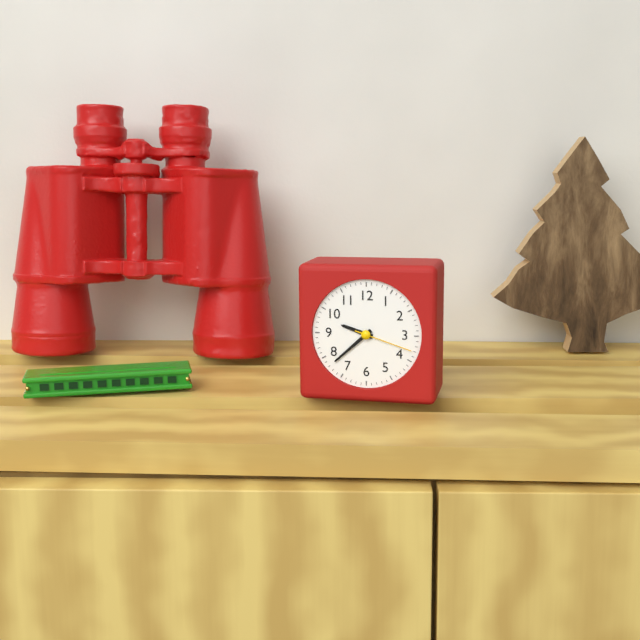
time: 9:38:18
